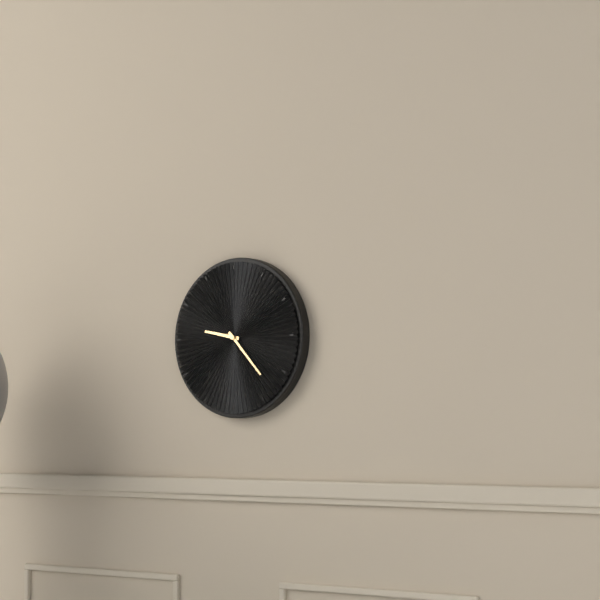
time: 9:23
